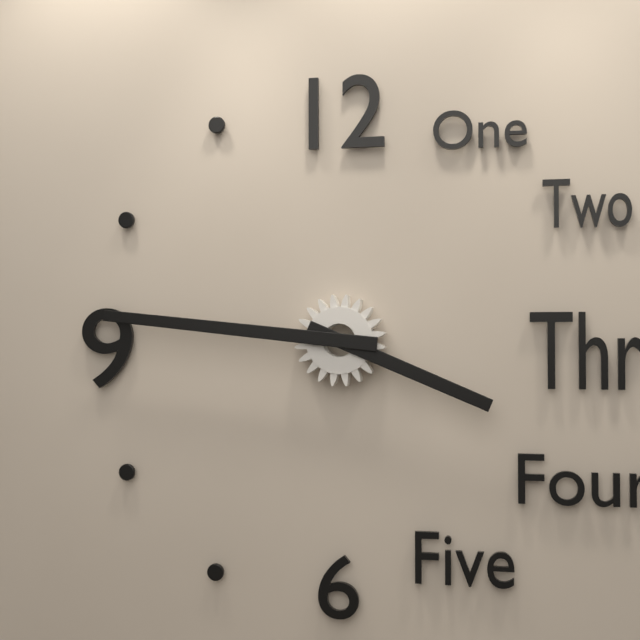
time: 3:46
